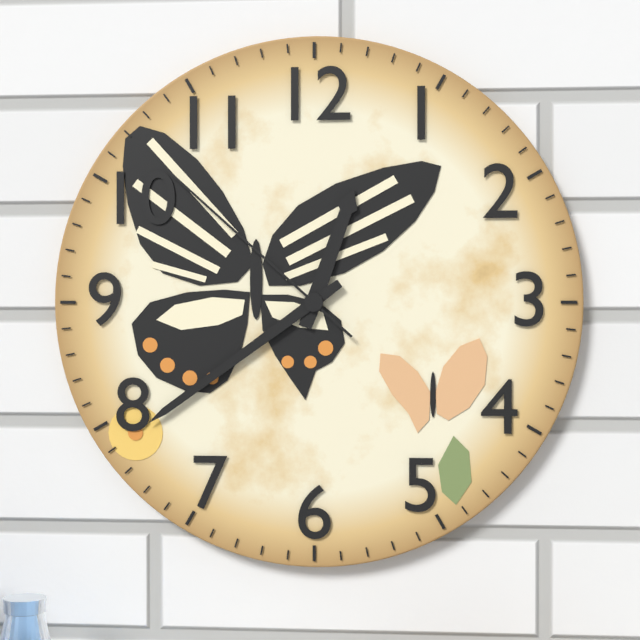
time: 12:39:52
